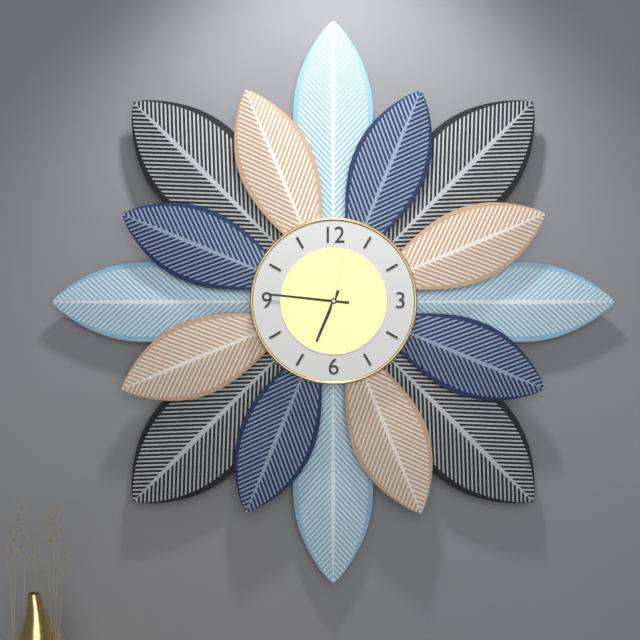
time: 6:46:02
